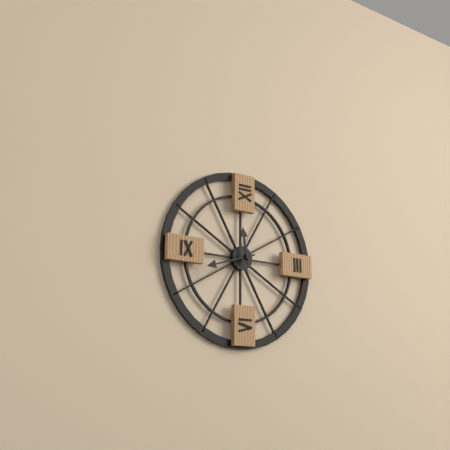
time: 11:42
